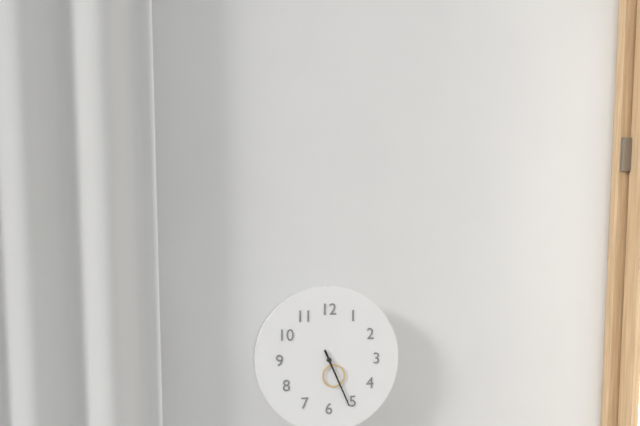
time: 5:26
